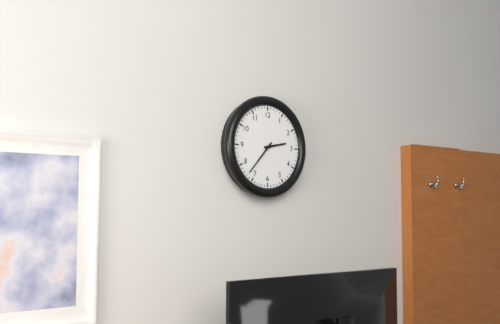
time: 2:37
